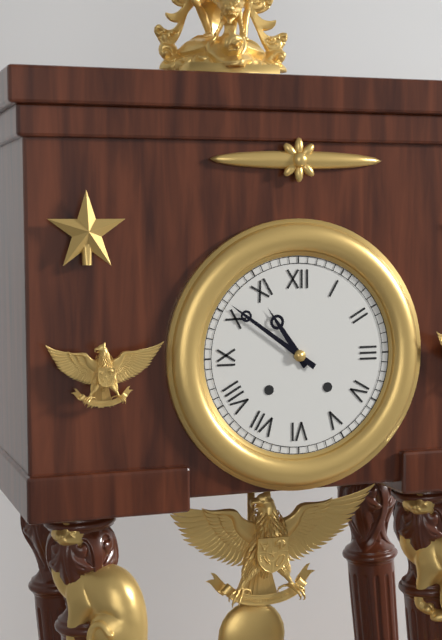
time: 10:51
